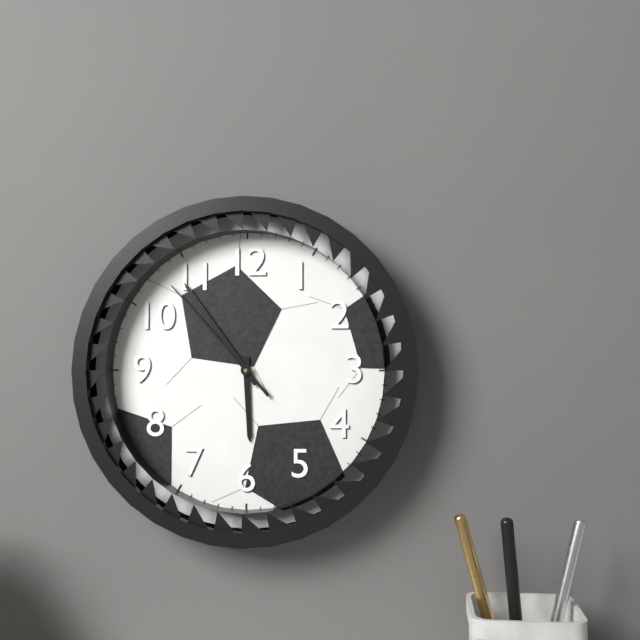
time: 5:54:53
